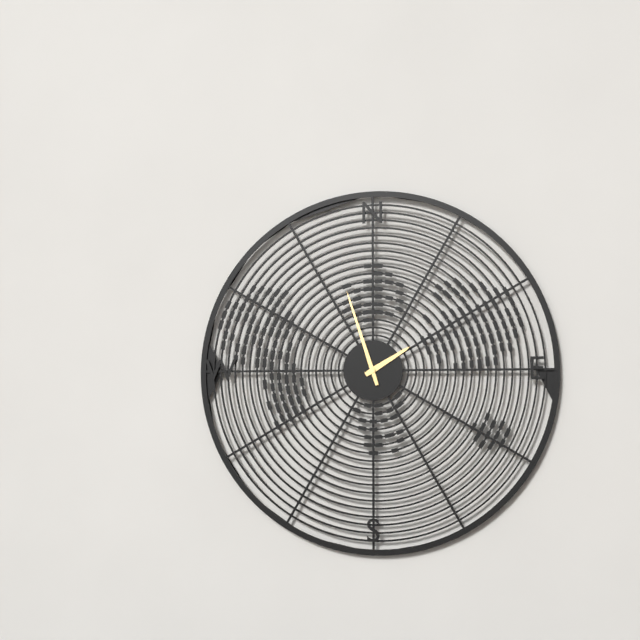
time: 1:57
